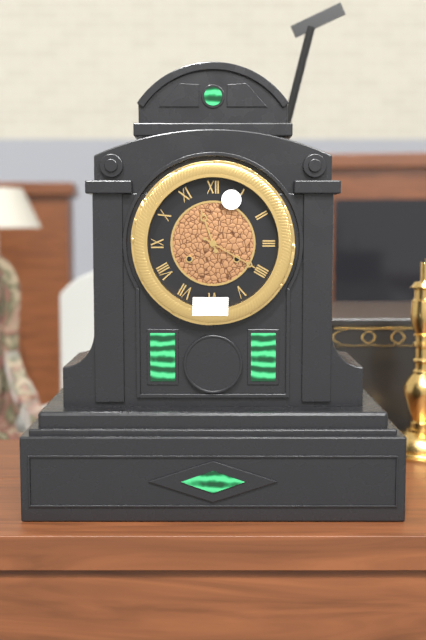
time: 11:20
